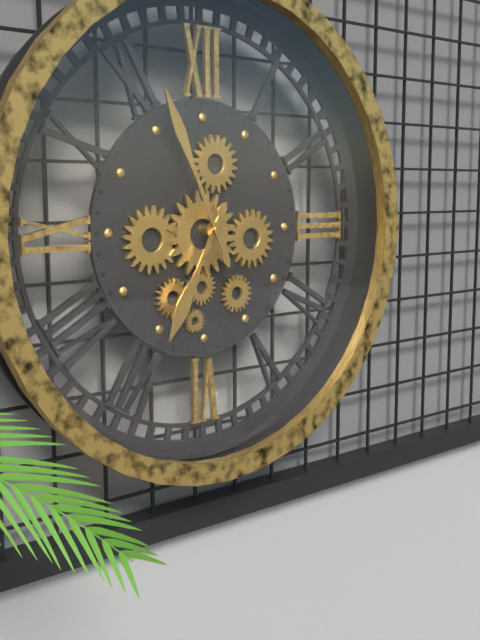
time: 6:56
